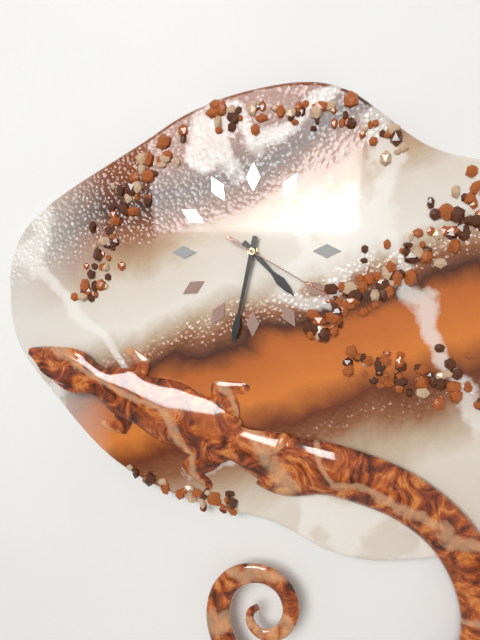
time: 4:32:20
